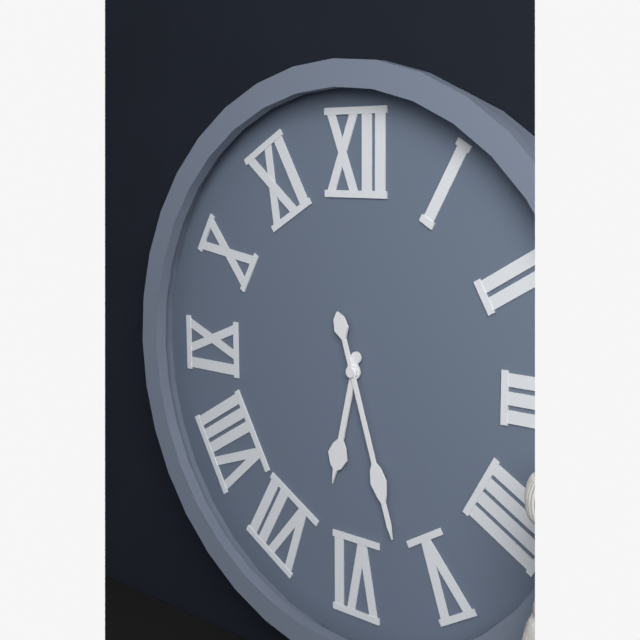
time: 6:27
